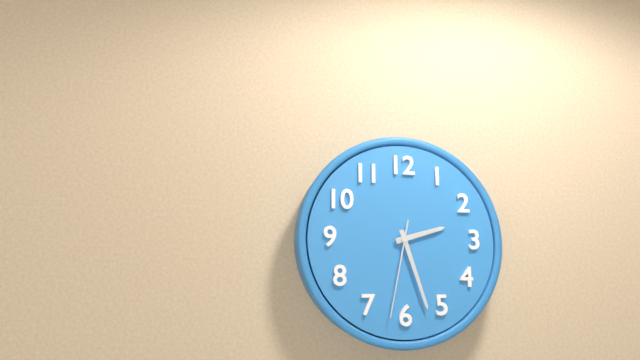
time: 2:27:32
